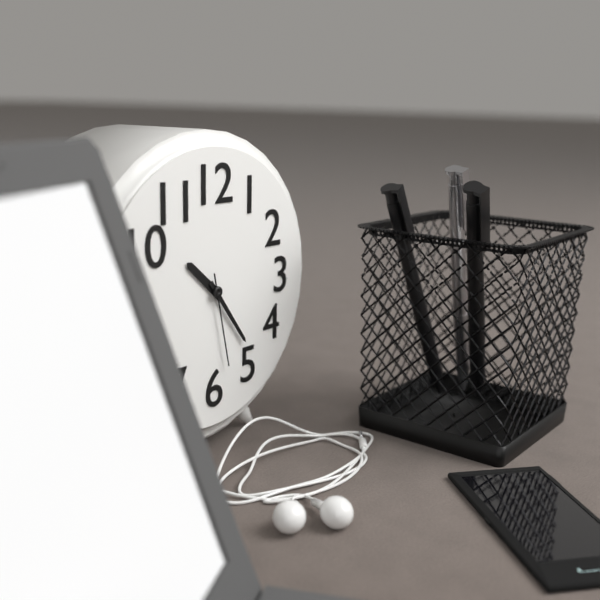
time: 10:24:28
